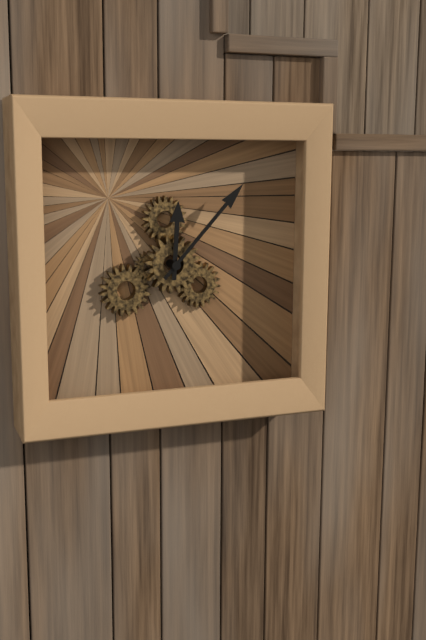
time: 12:07
